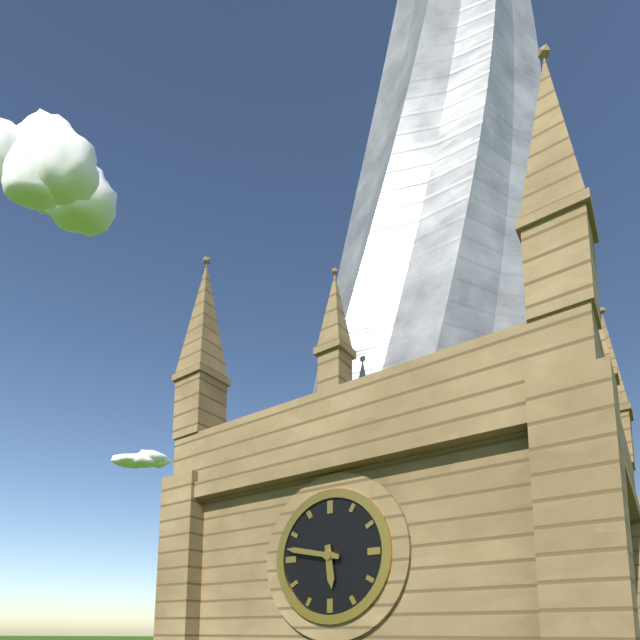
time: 5:47
